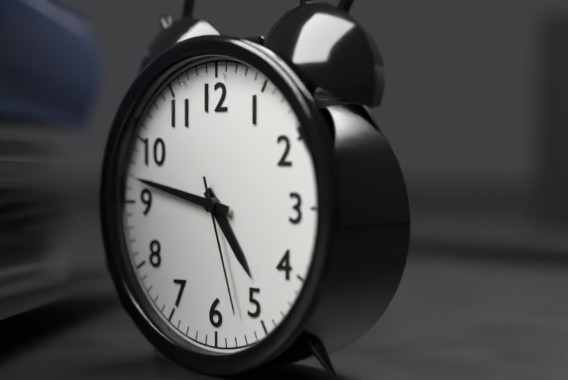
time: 4:47:27
